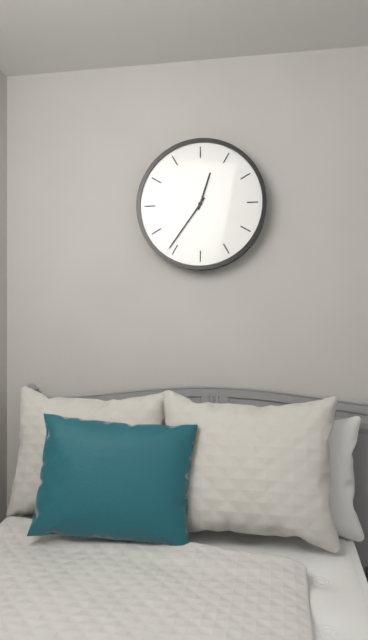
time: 12:36
